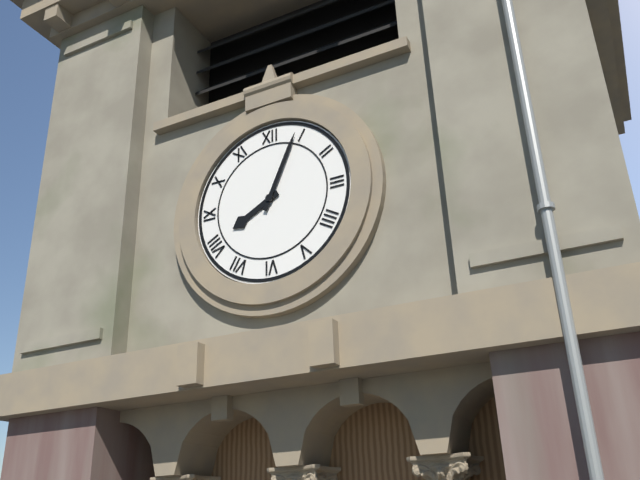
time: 8:04
